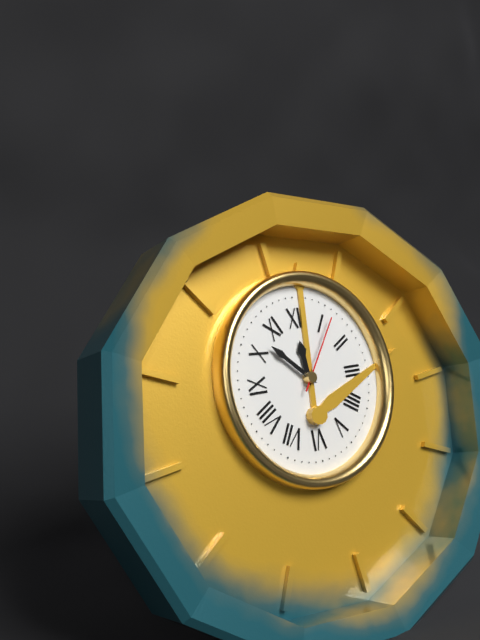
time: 11:52:06
